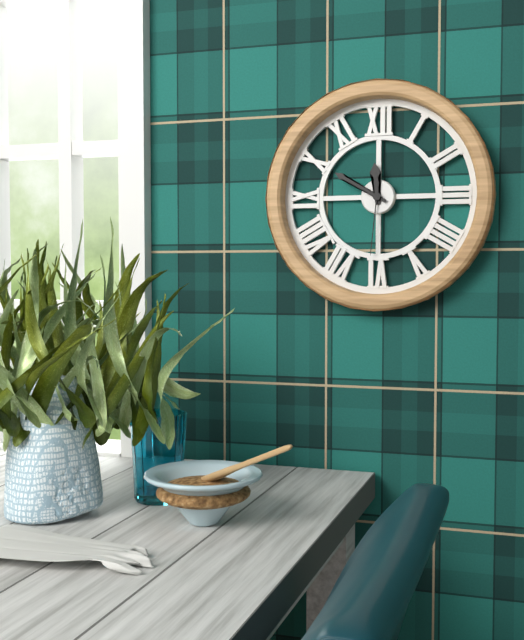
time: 11:50:31
